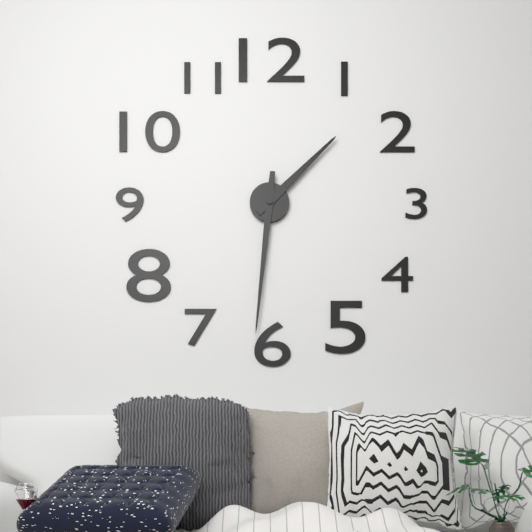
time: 1:31
